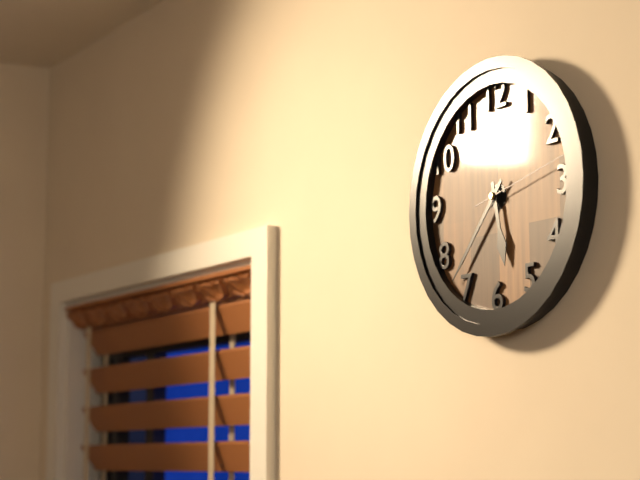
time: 5:37:13
